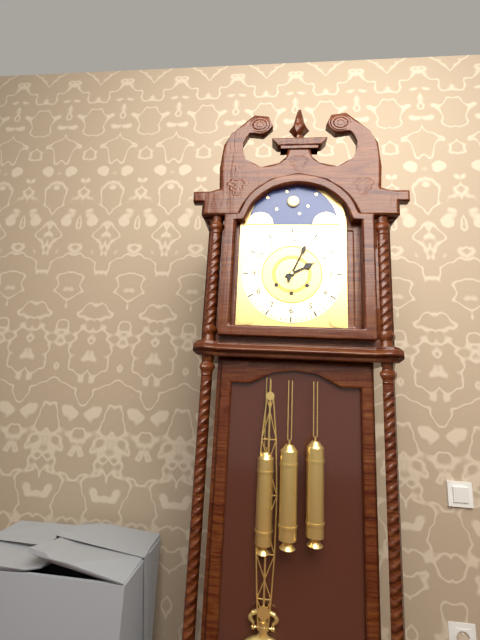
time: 2:04
